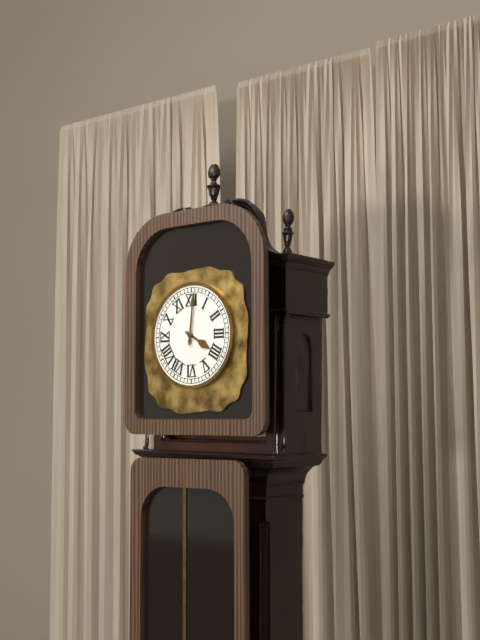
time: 4:01
